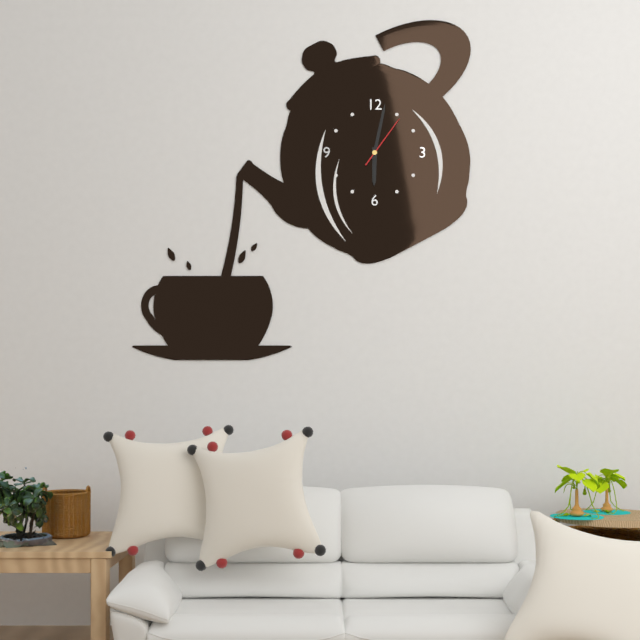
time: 6:02:06
